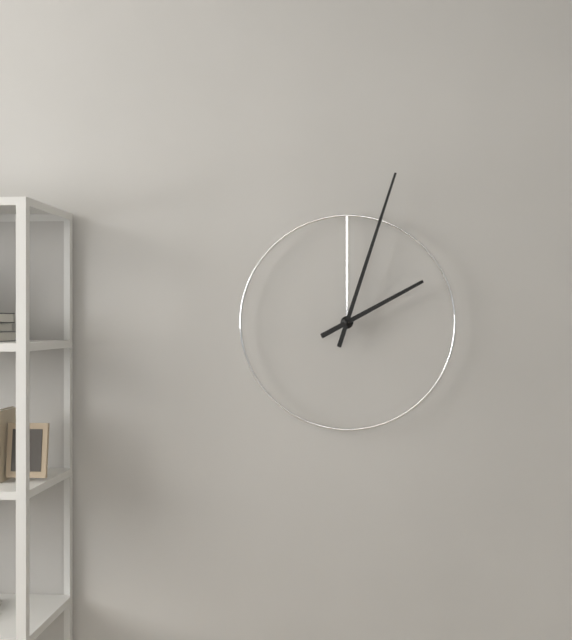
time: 2:03
